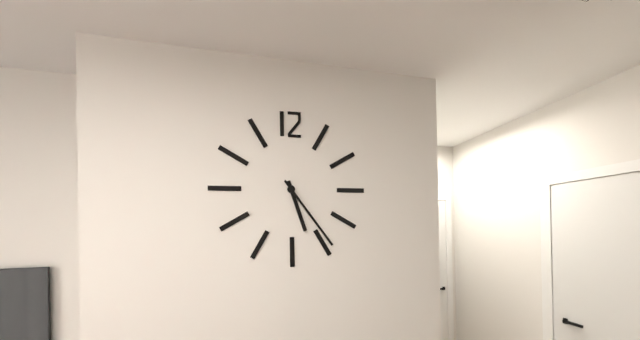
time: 5:24
